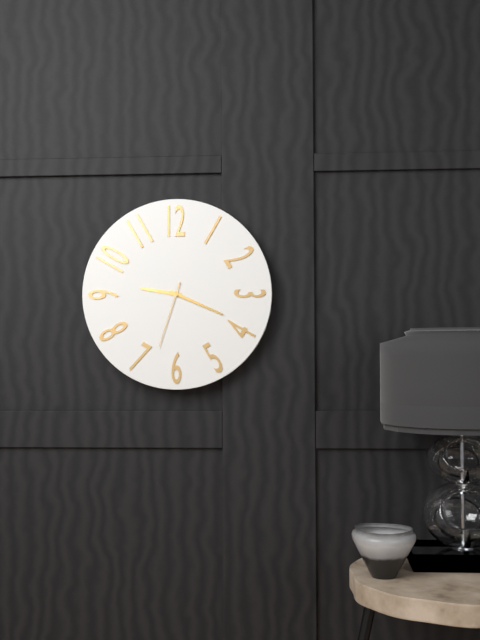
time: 9:19:33
